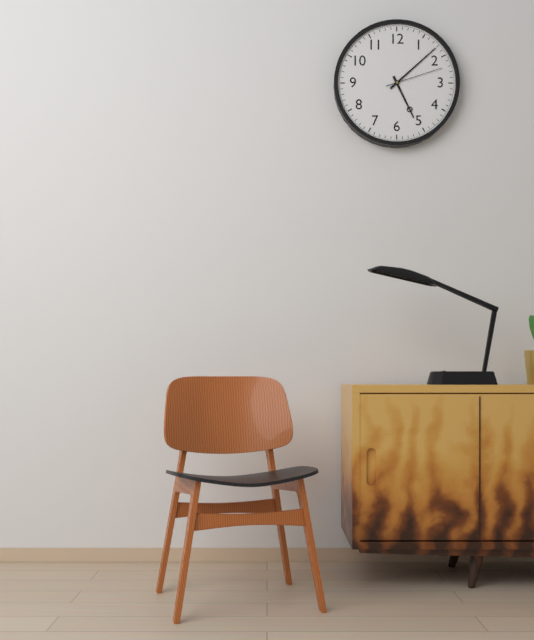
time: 5:08:12
